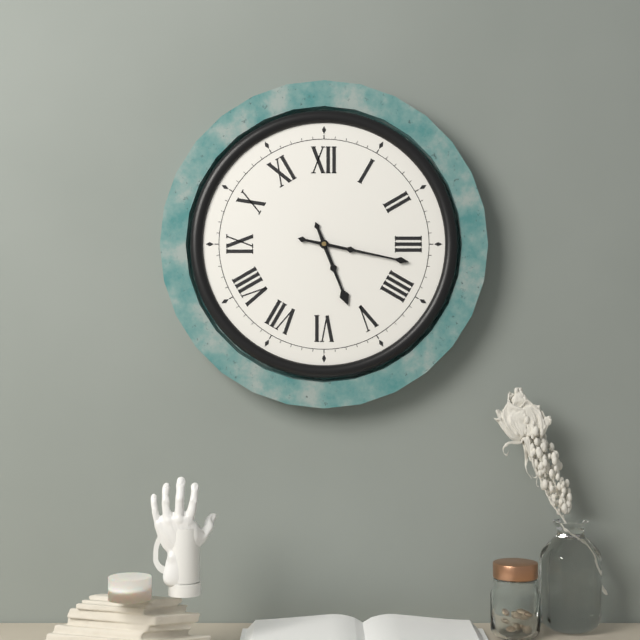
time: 5:17
